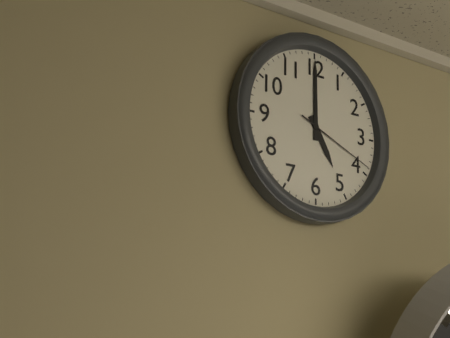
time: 5:00:19
